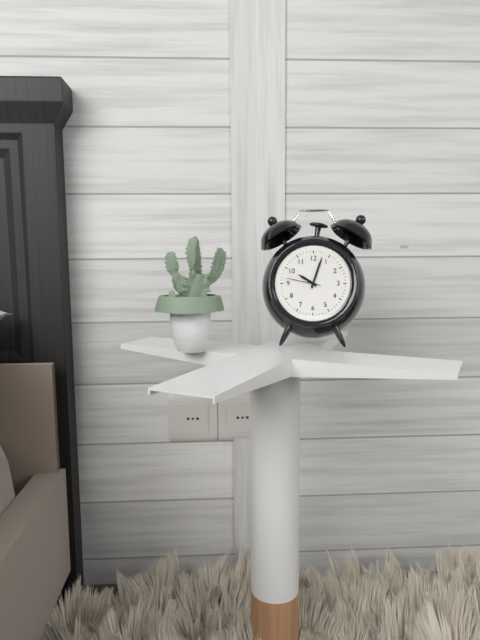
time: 10:03
